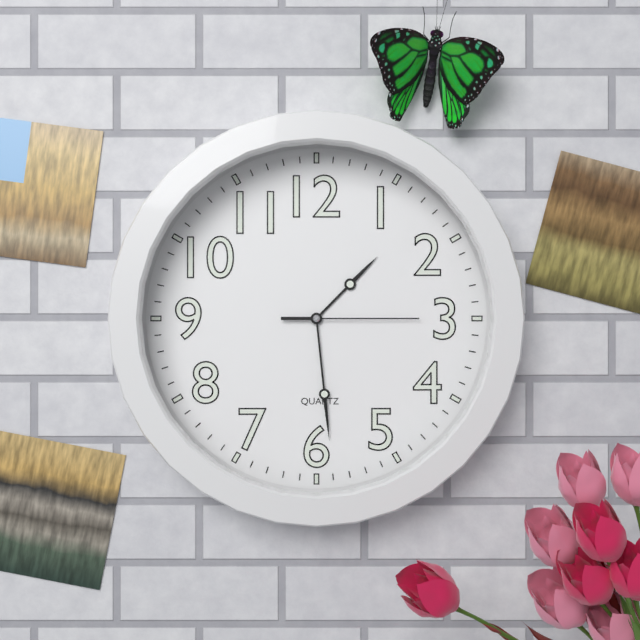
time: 1:29:15
